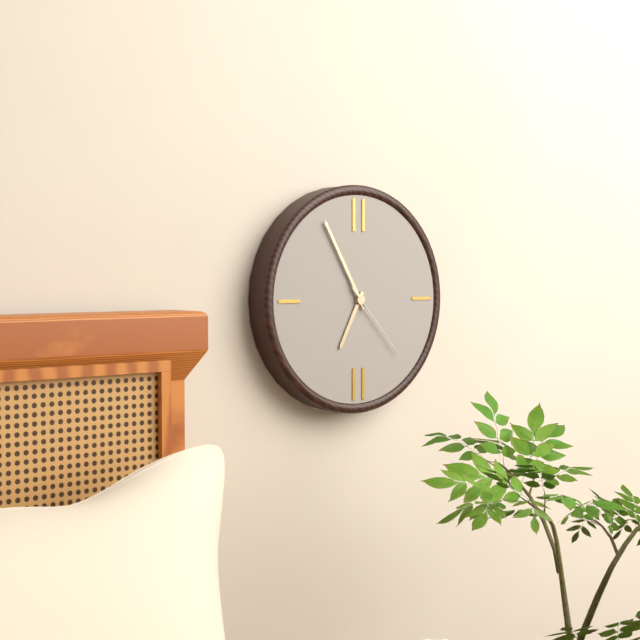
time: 6:55:23
